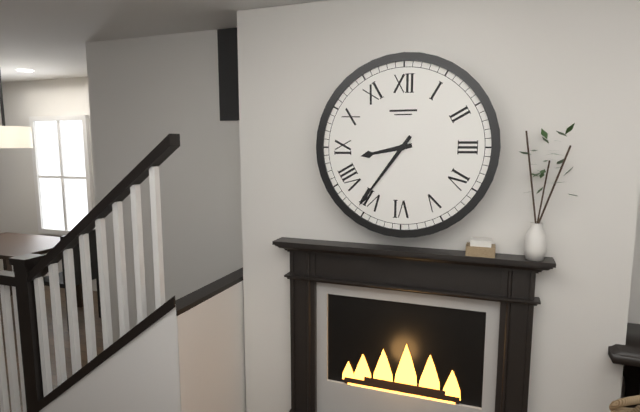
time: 8:36
